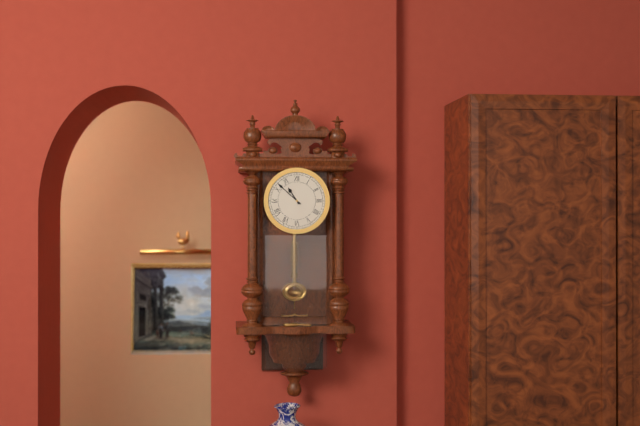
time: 10:52
